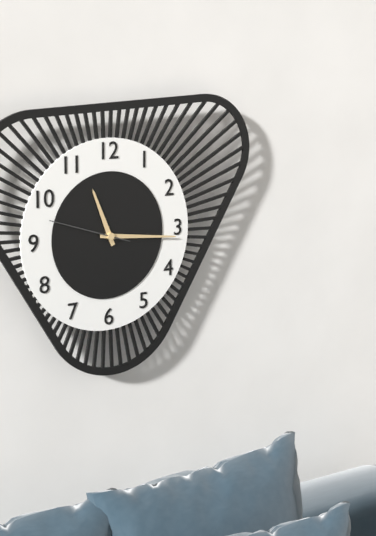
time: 11:16:48
